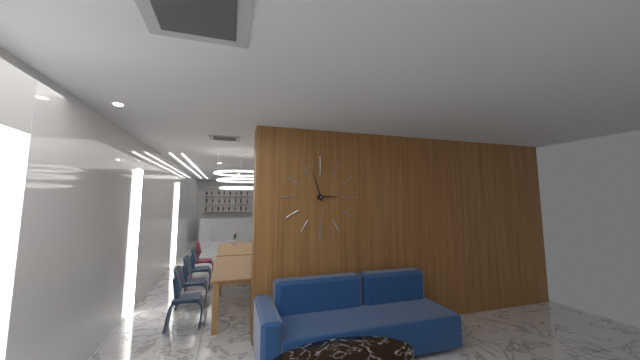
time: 2:57
